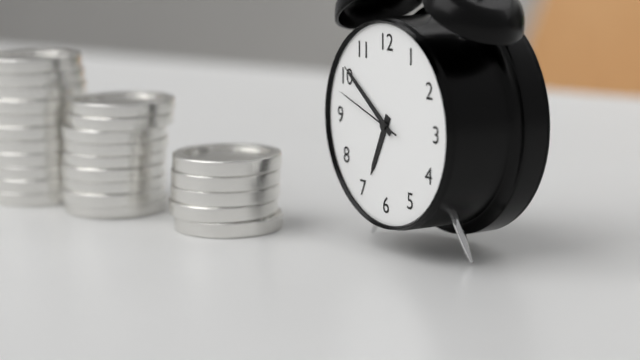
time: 6:51:48
